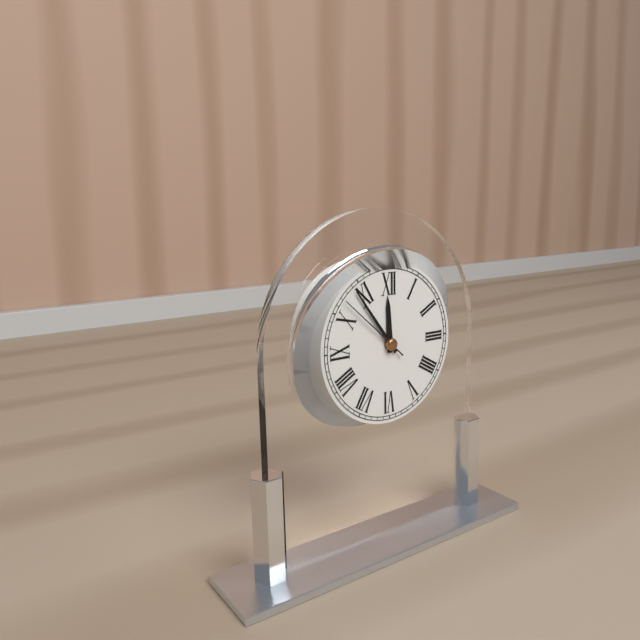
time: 11:54:52
